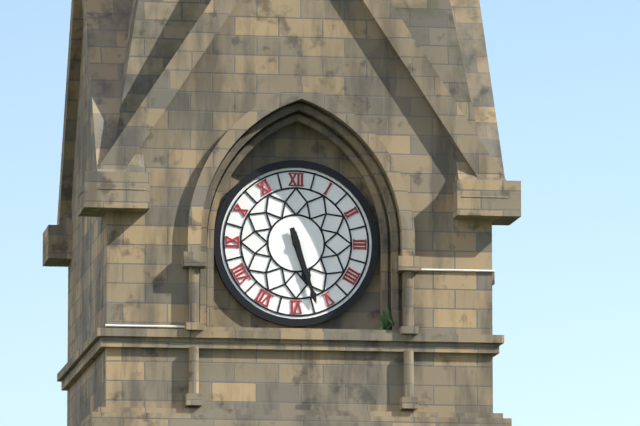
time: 5:27
